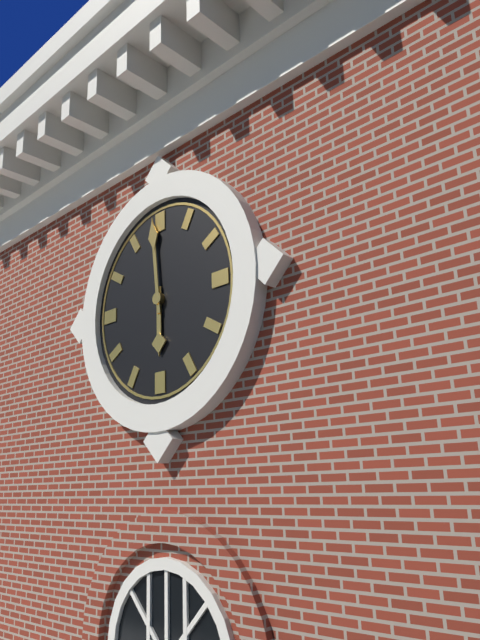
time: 5:59
